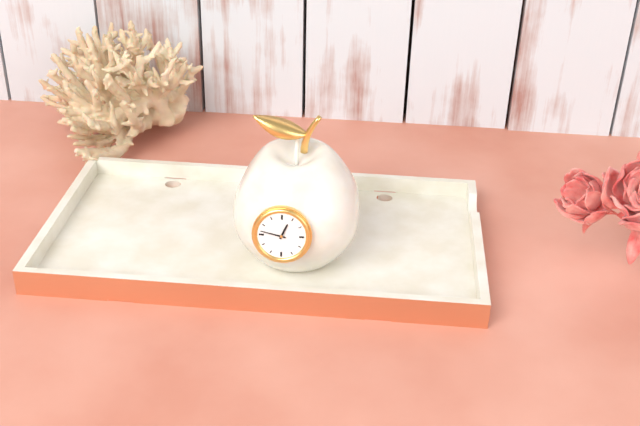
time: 12:47
